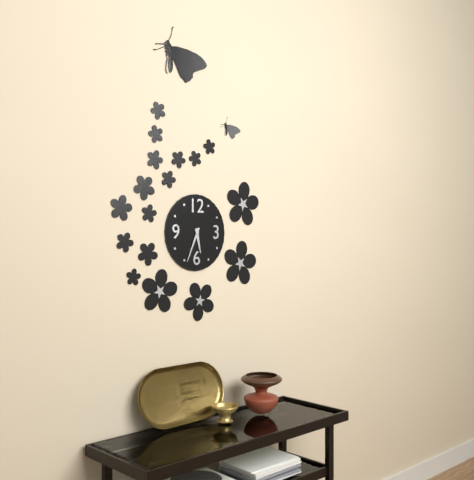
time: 5:34
